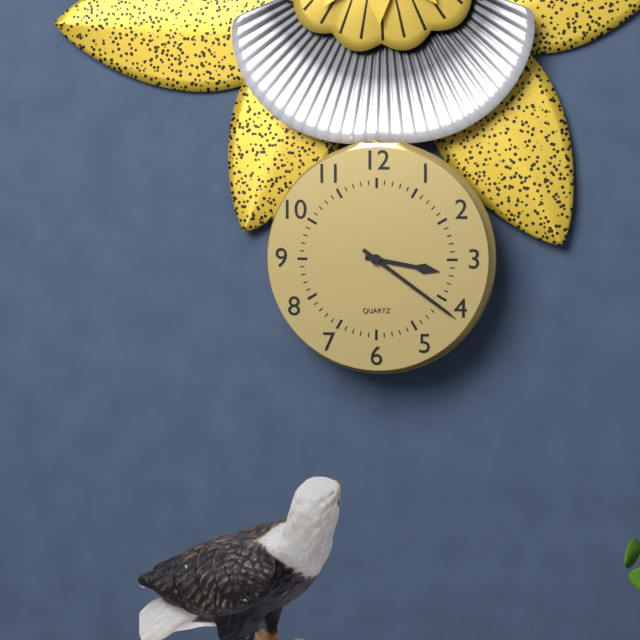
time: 3:21
